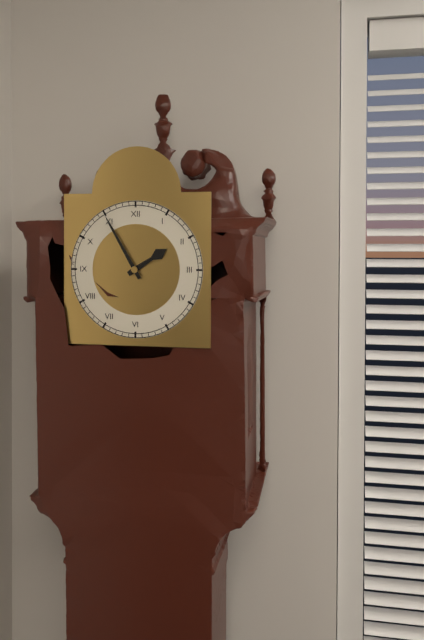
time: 1:55
